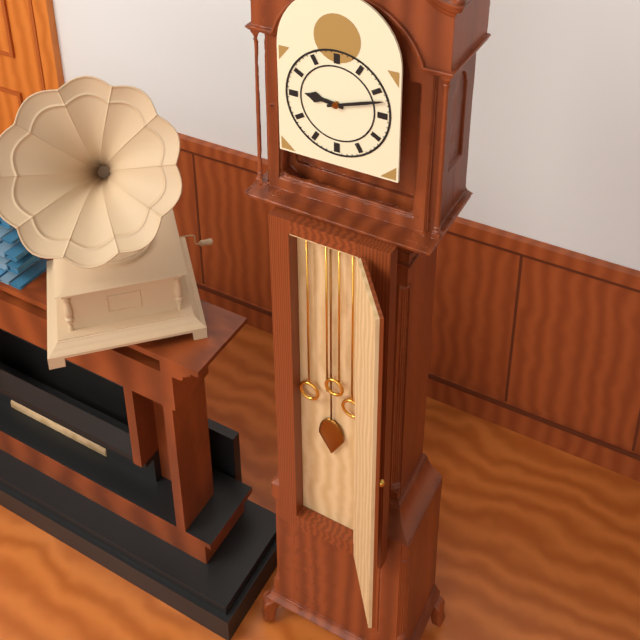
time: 9:12
